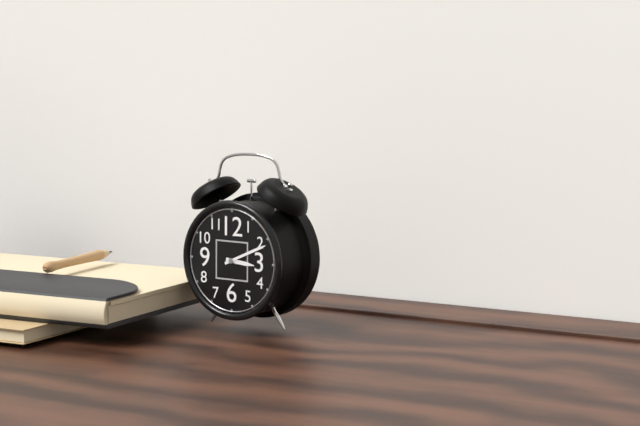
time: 3:11
